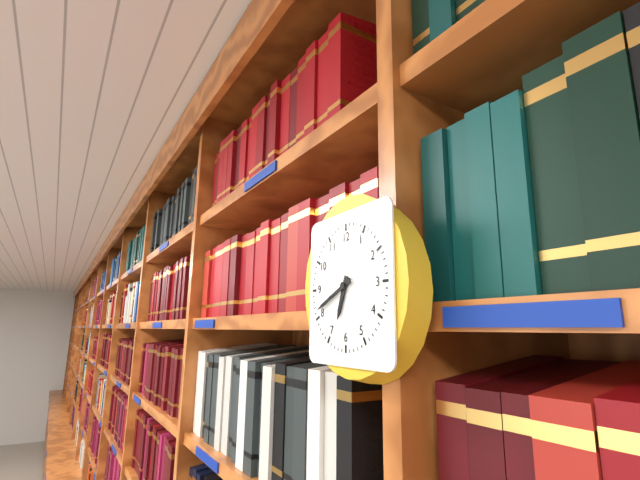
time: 6:41
